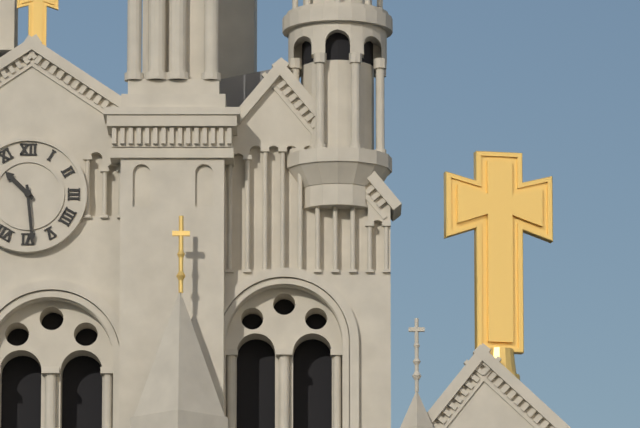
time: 10:29
